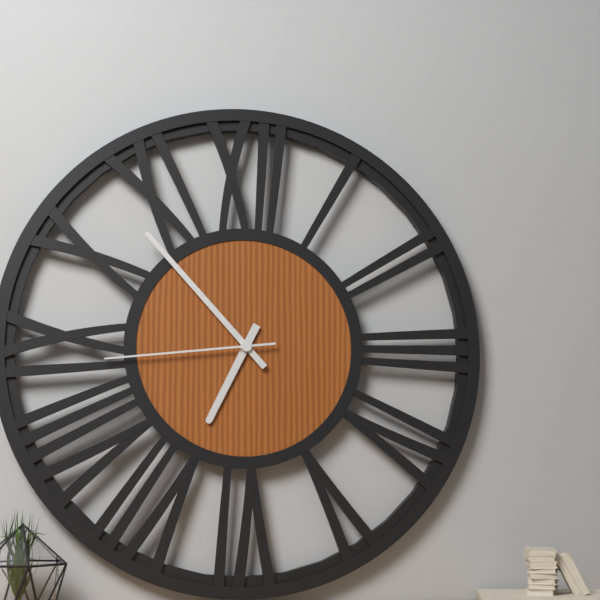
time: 6:53:44
